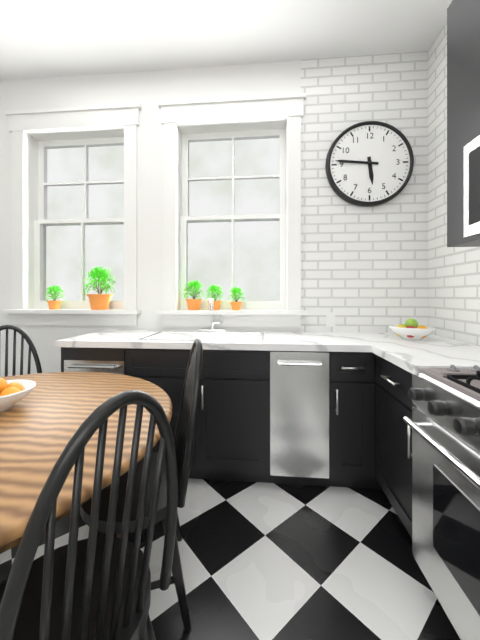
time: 5:46
